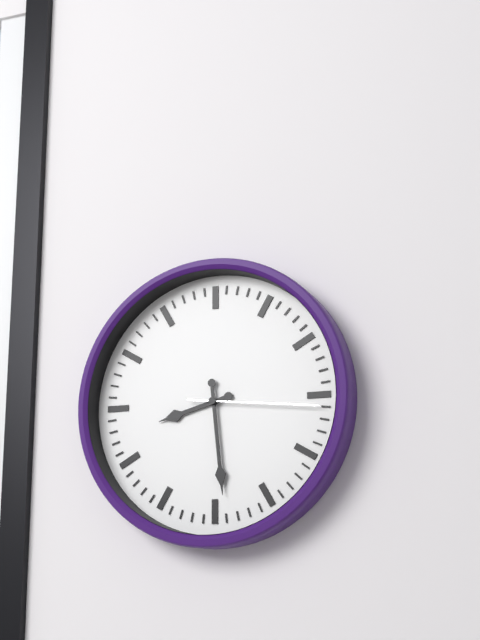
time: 8:29:16
